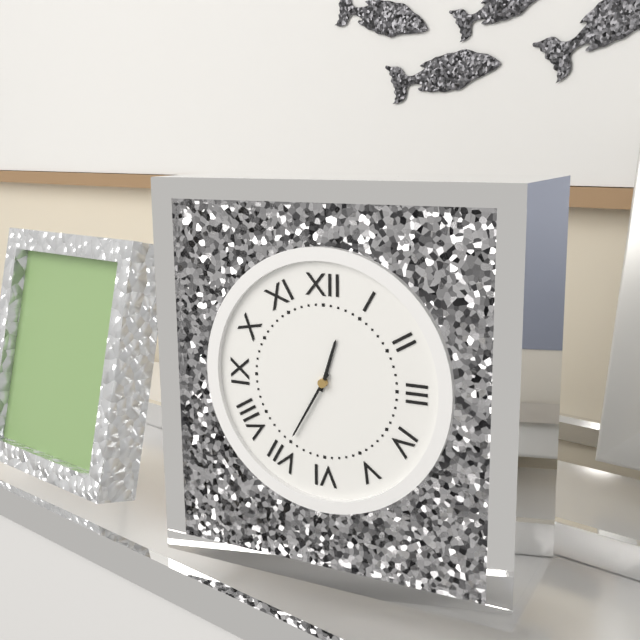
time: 12:35
